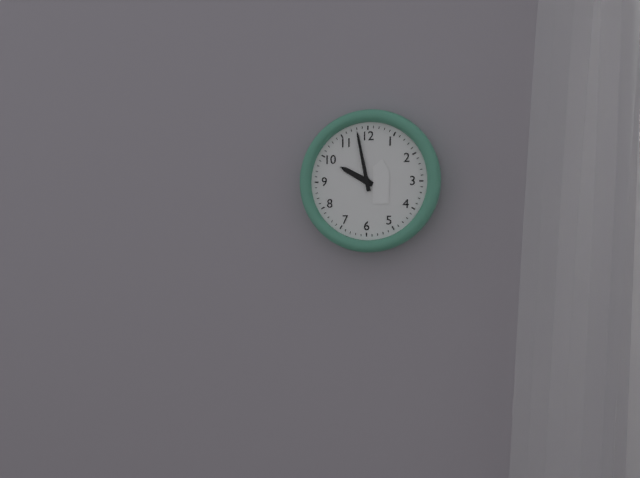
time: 9:58
